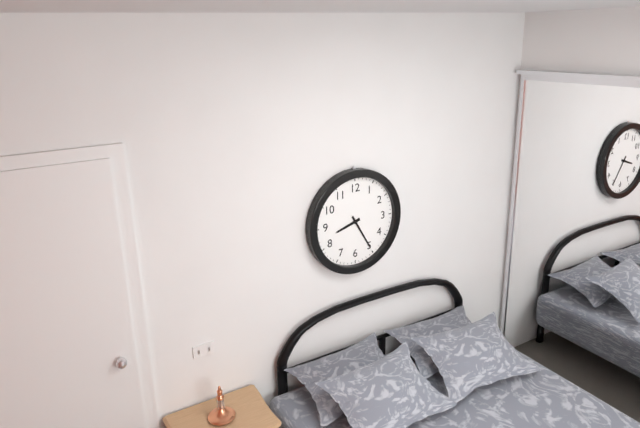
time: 8:25
